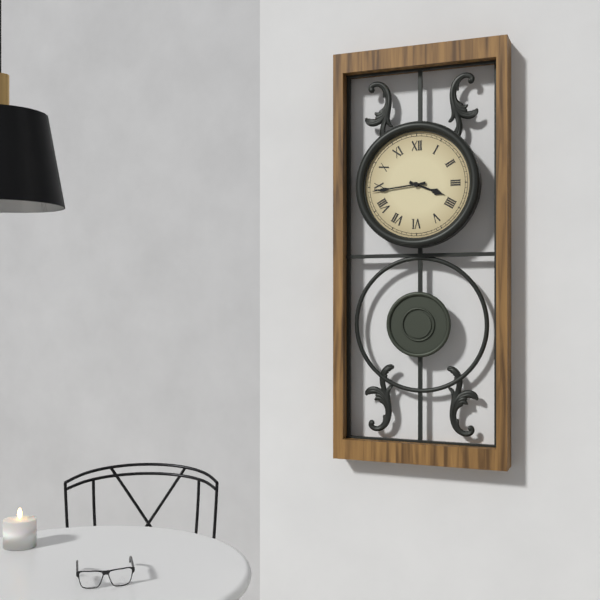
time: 3:44
